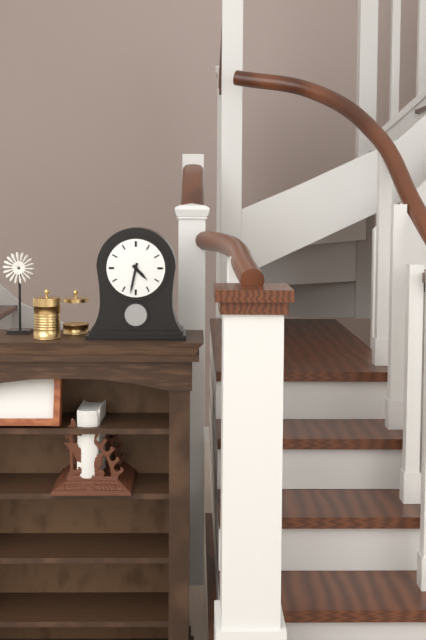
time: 4:32
